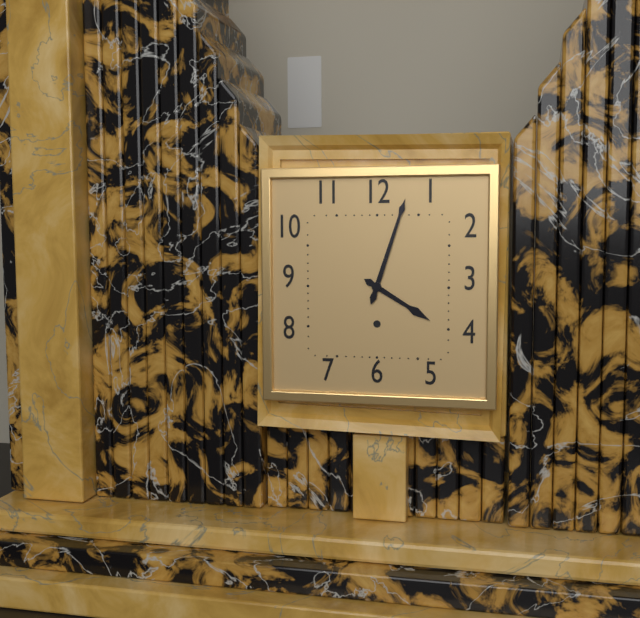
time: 4:03
